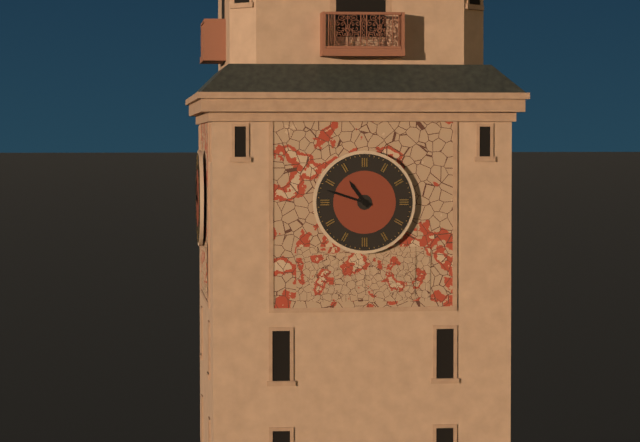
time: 10:48
